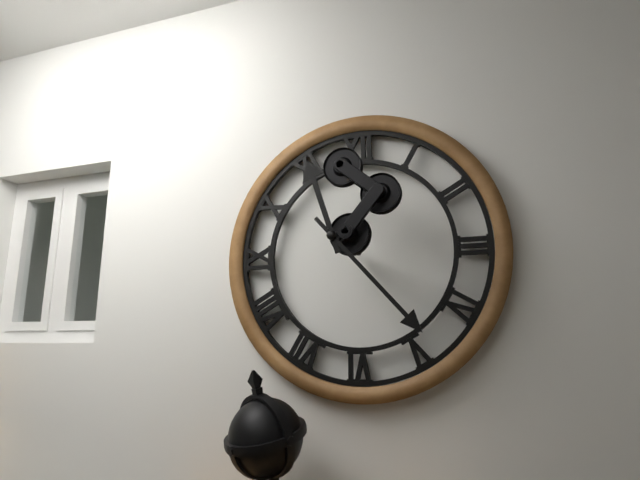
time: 11:23
